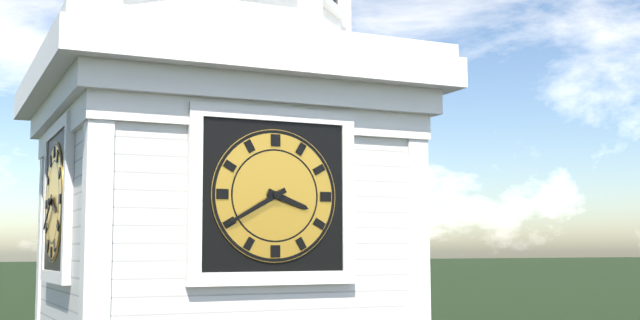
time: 3:40
